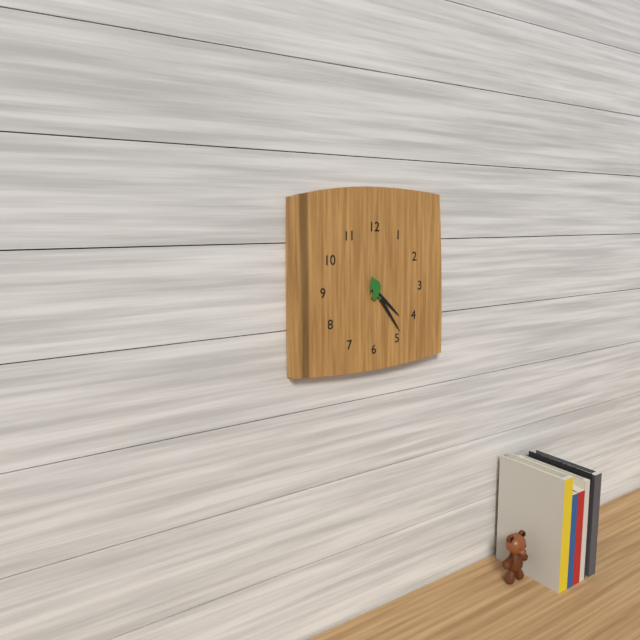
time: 4:24
